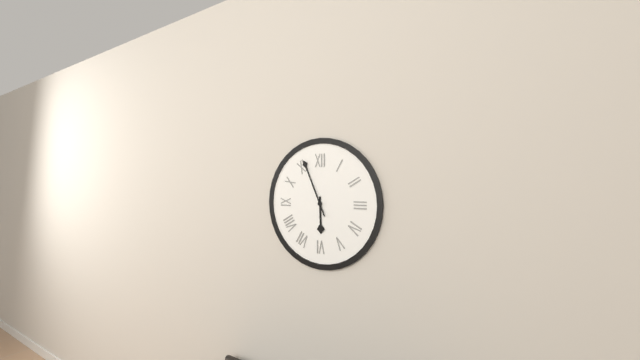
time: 5:56
